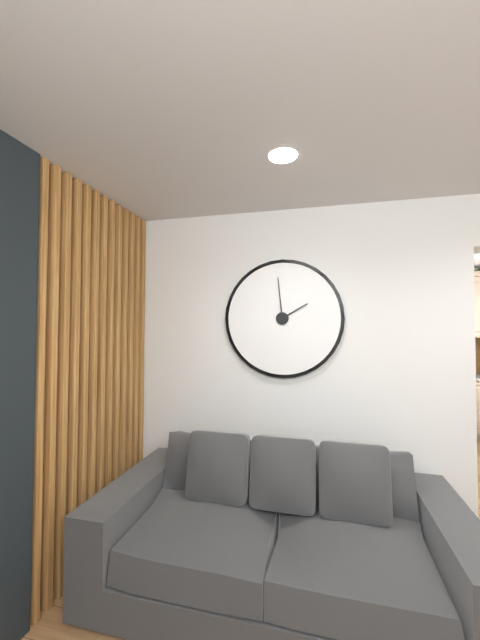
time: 1:59
